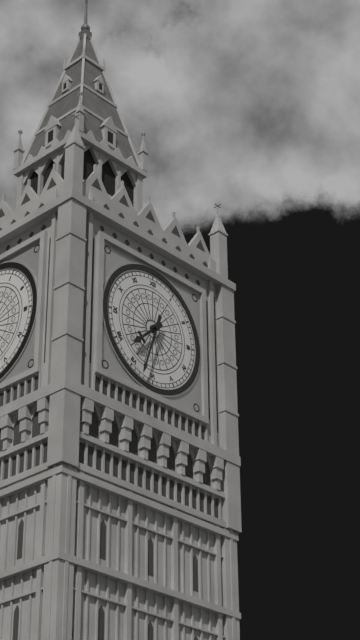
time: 7:33
